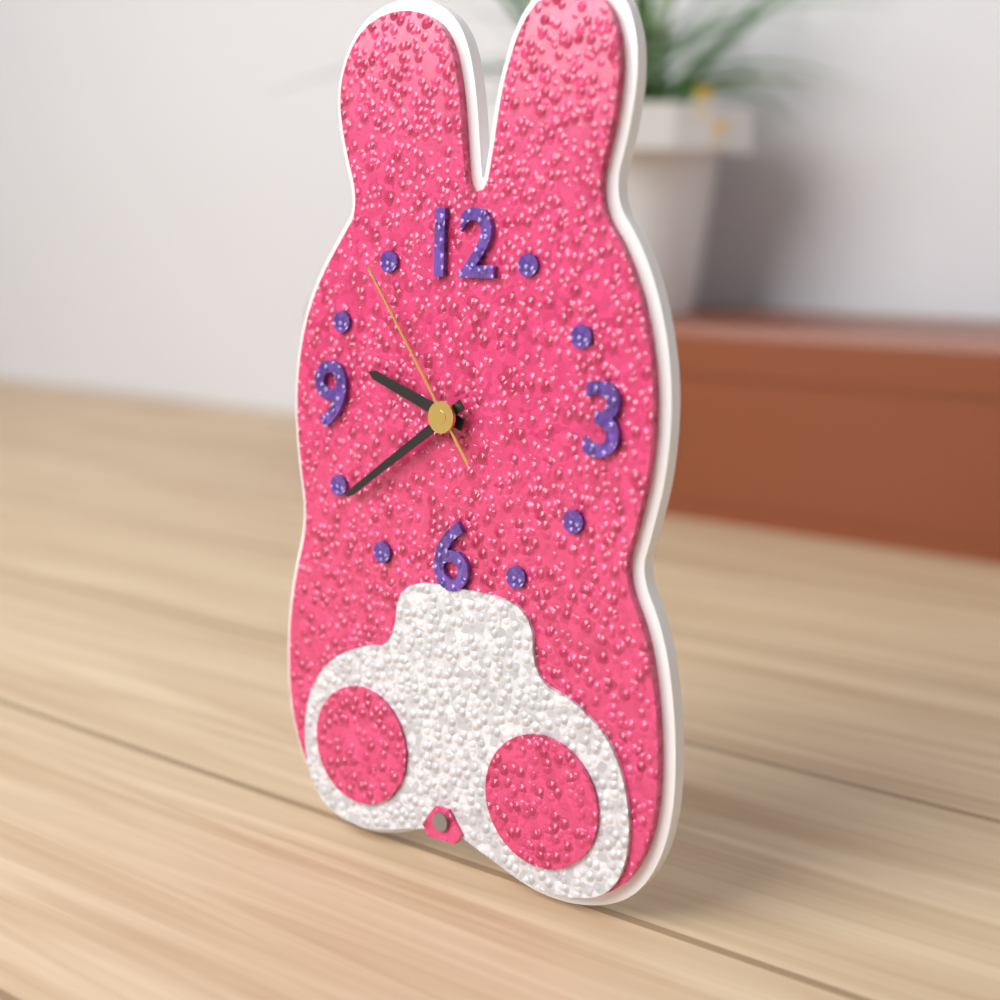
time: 9:39:54
